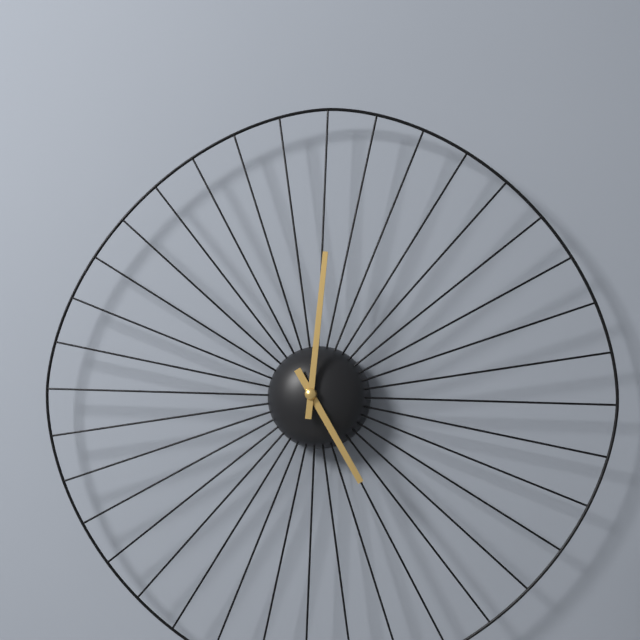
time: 5:01
